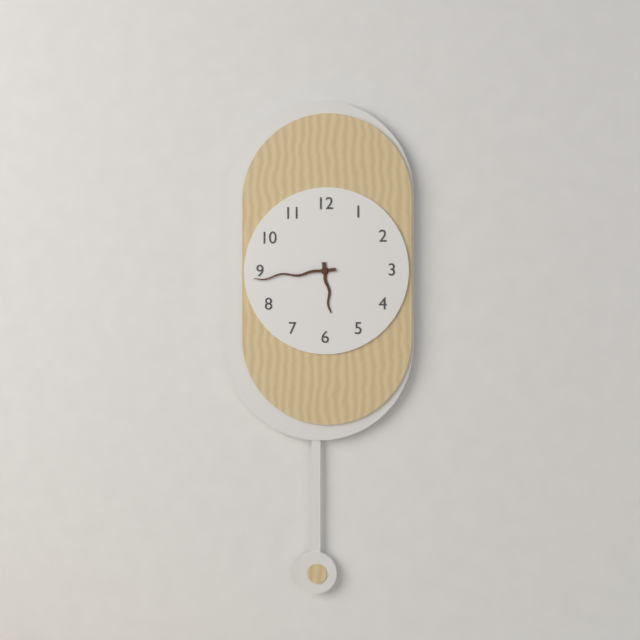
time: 5:44
